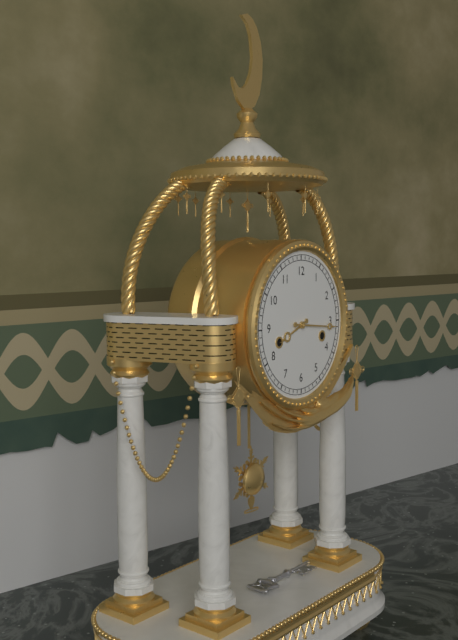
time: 8:16
